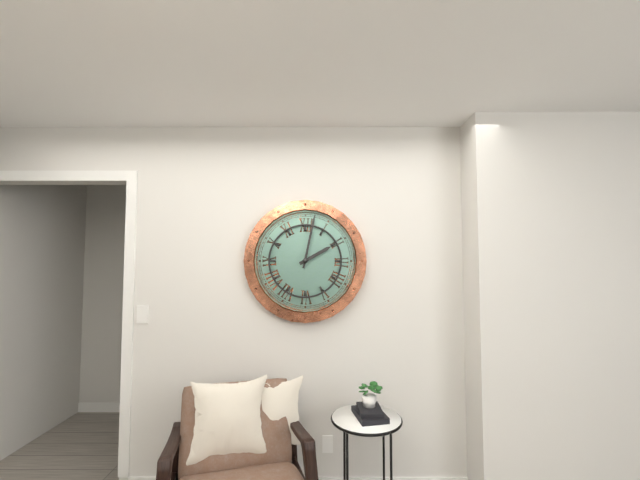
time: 2:02
